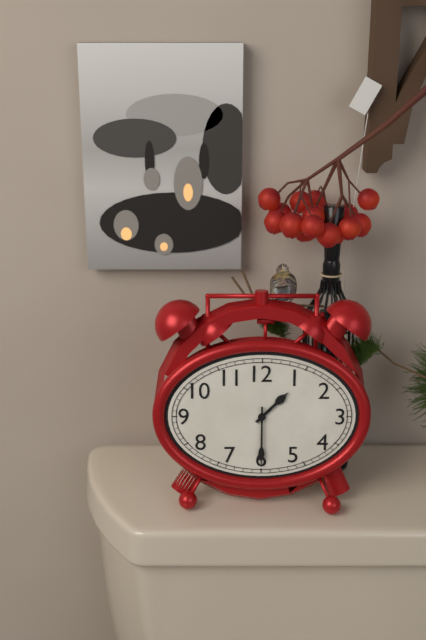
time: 1:30
